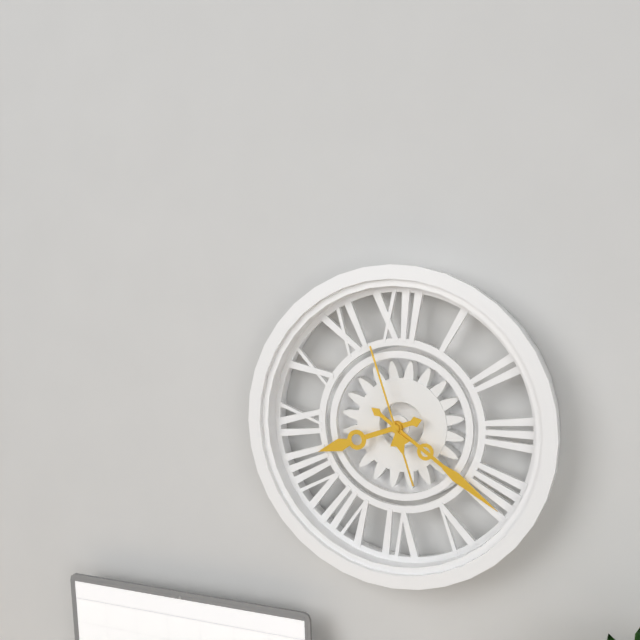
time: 8:21:57
